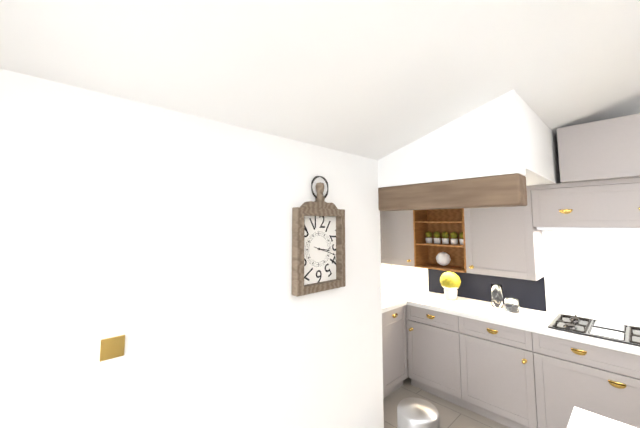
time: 3:18
